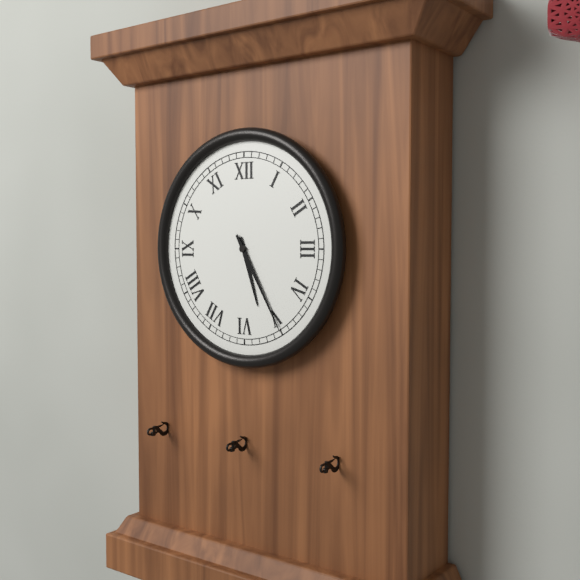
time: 5:25
